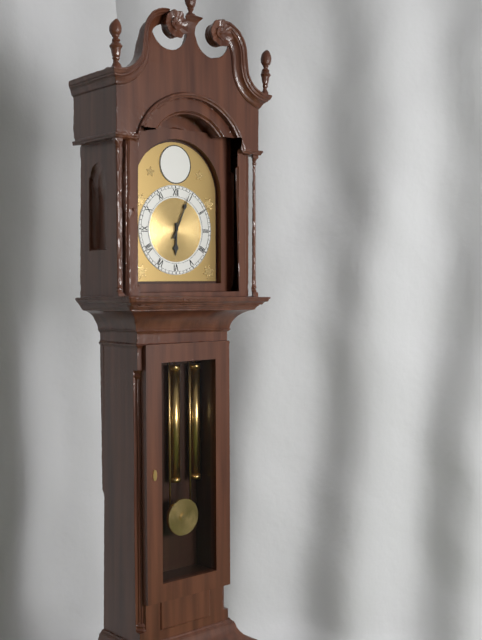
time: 6:04
